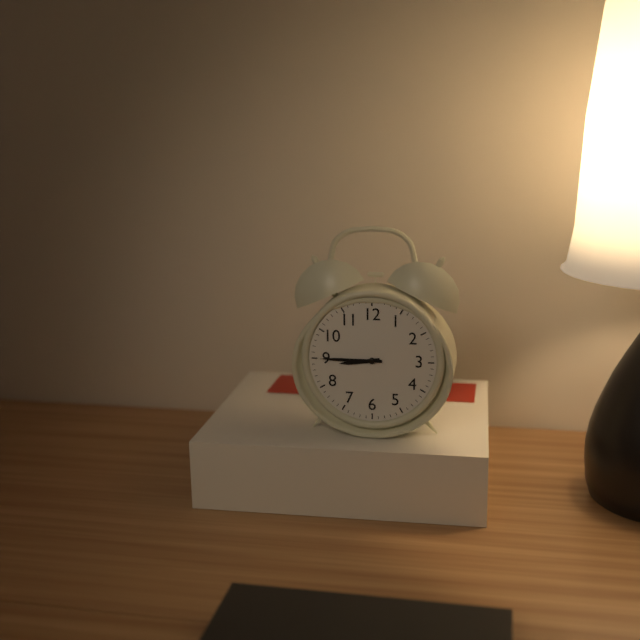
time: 8:45
